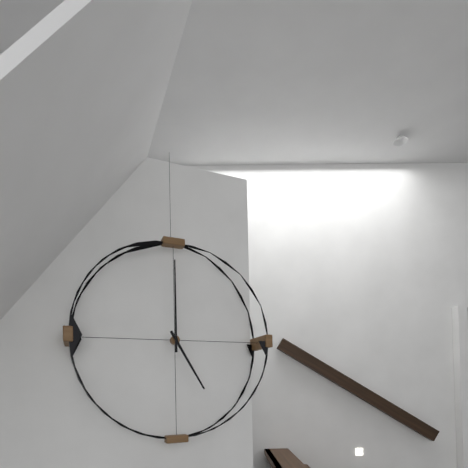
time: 5:00
